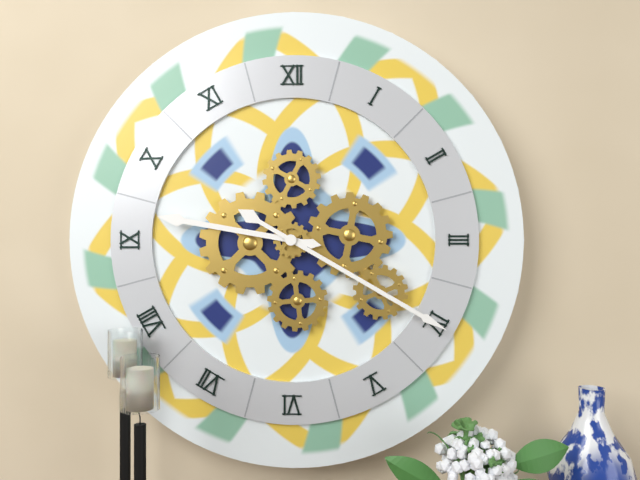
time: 9:20
